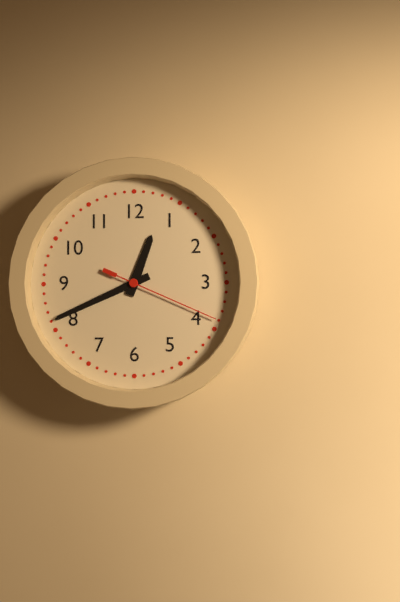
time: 12:41:19
